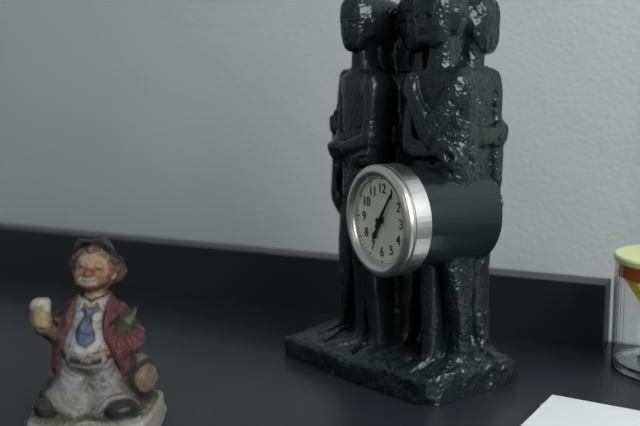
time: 7:06
